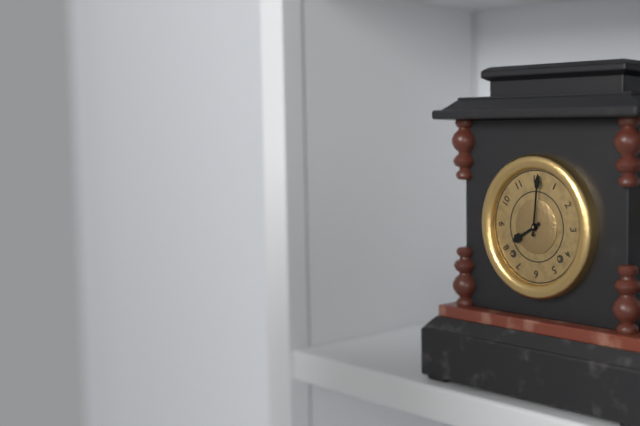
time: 8:01
